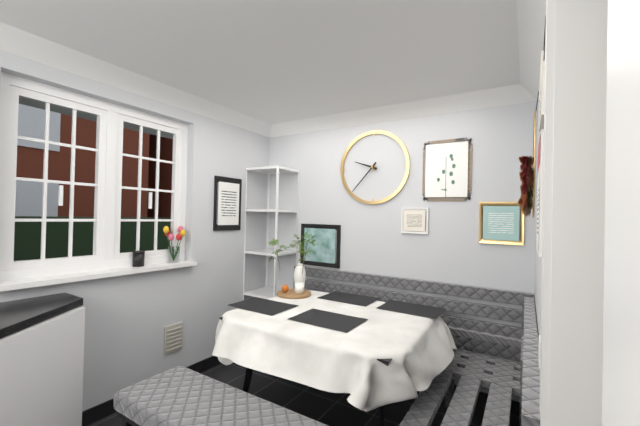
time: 9:37
